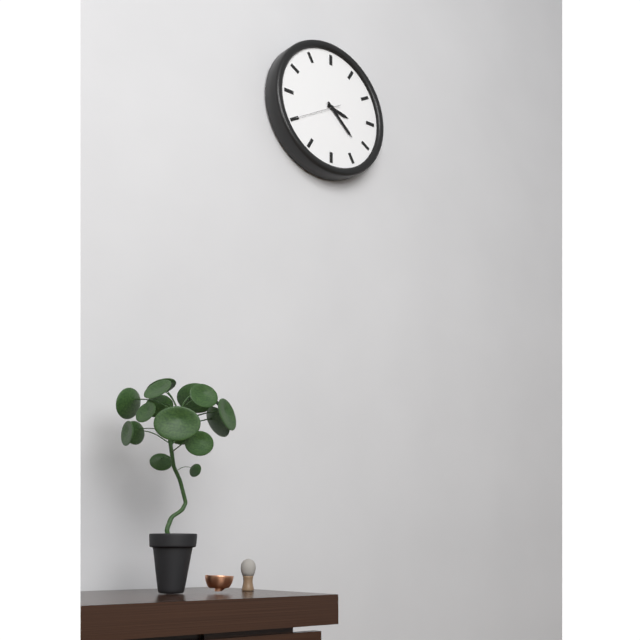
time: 3:22
